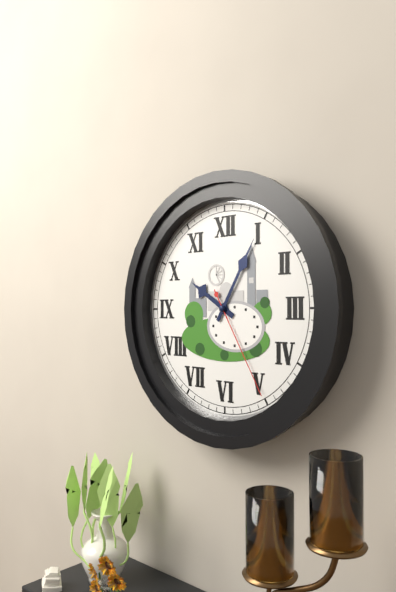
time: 10:05:25
